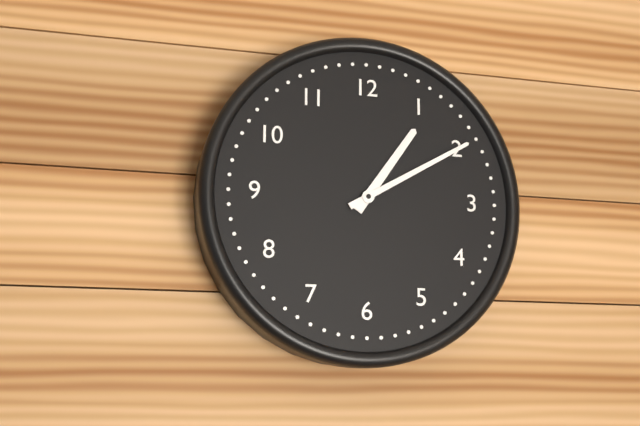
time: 1:10
